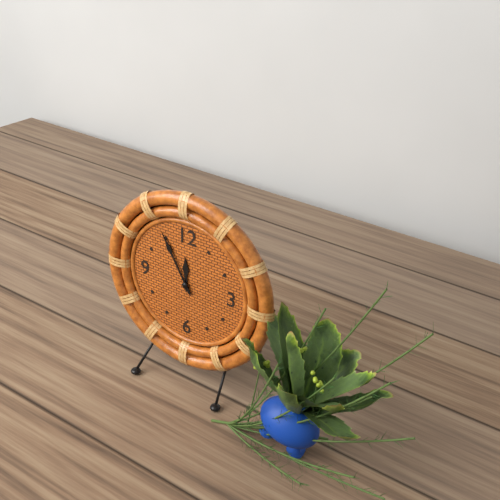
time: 11:55
